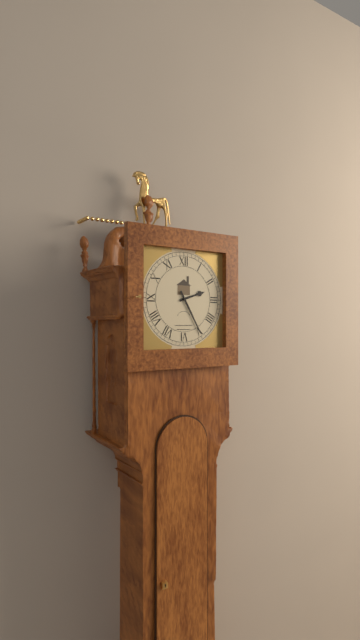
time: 2:25
